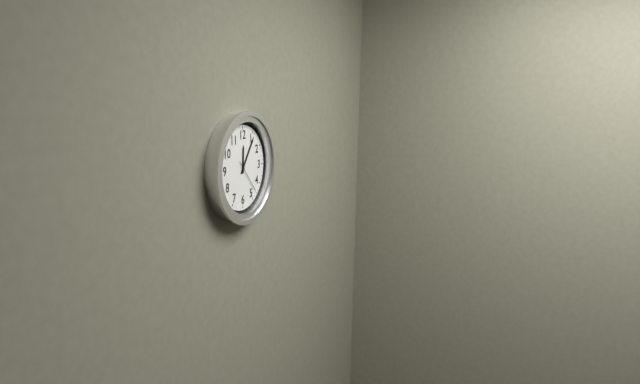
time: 12:06
